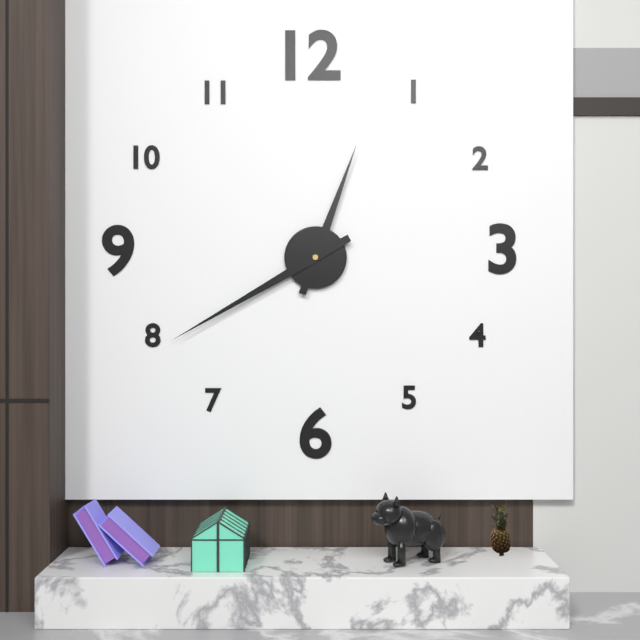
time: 12:40
